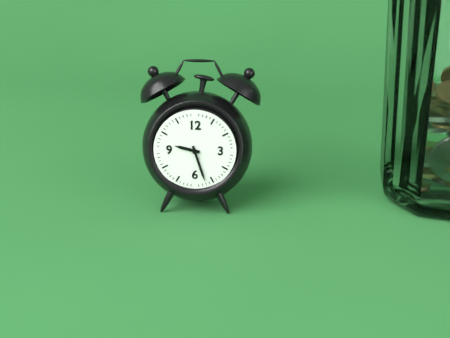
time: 9:27
